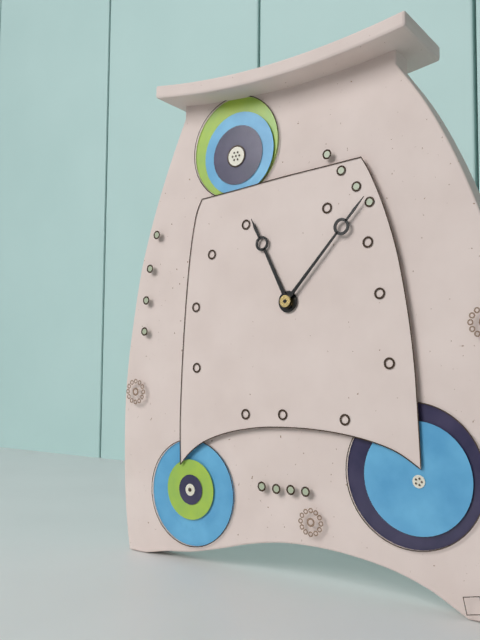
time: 11:07
